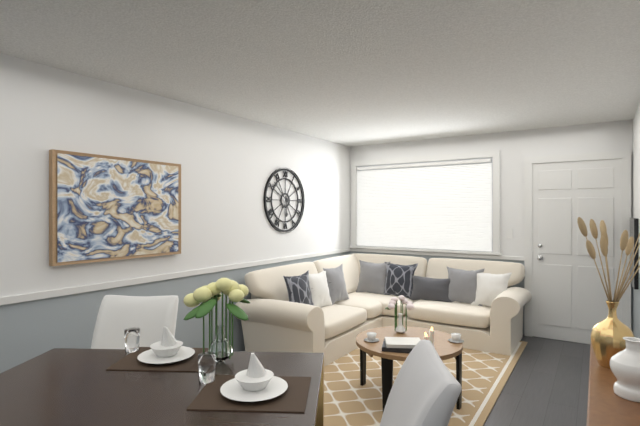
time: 5:52
